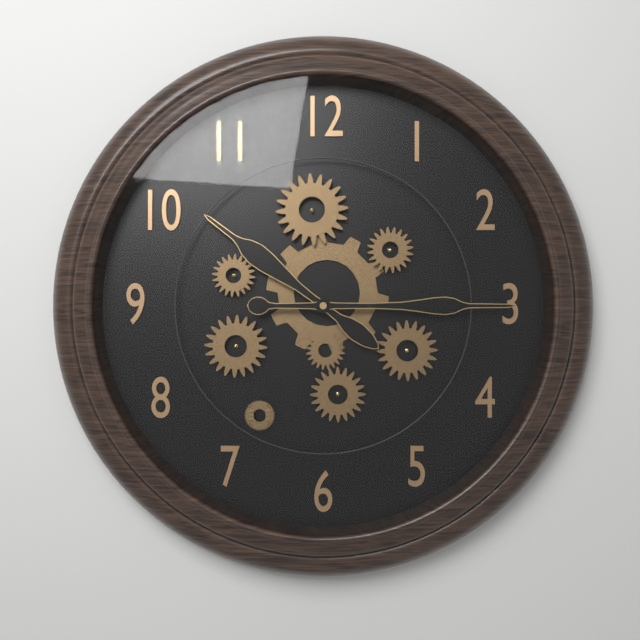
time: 10:15
